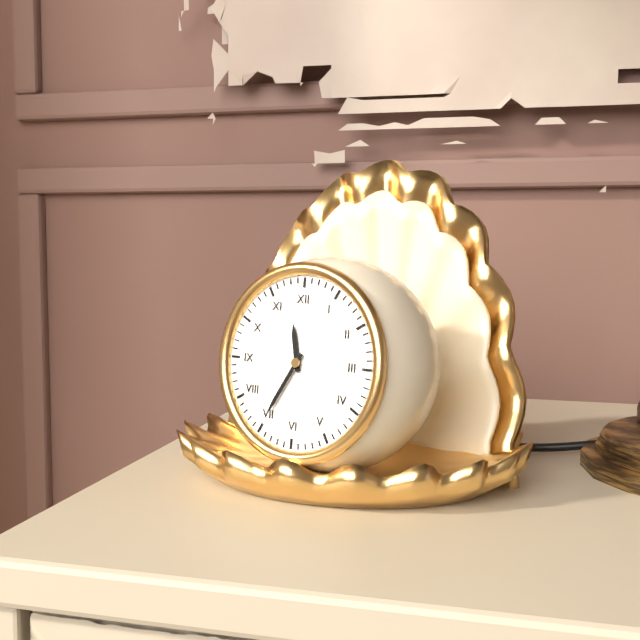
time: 11:35
